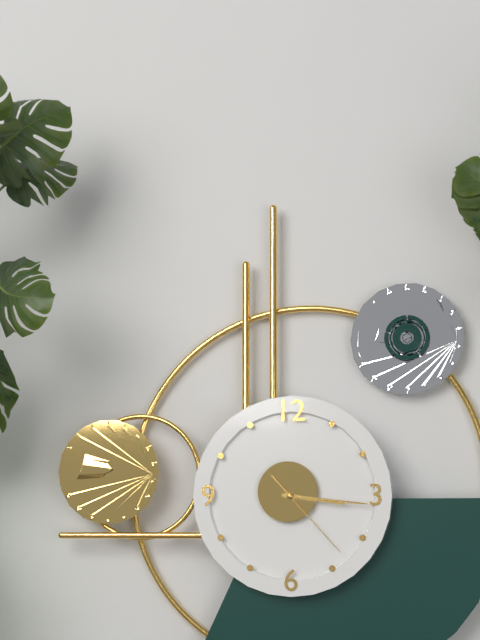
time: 3:16:23
